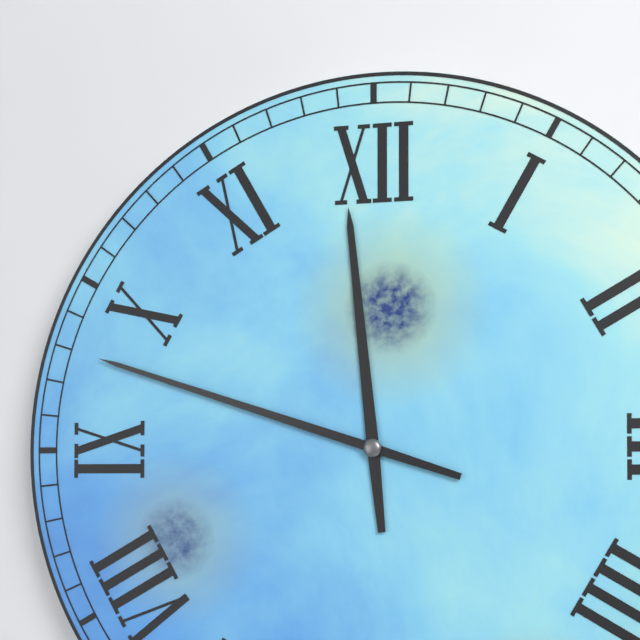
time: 11:48
